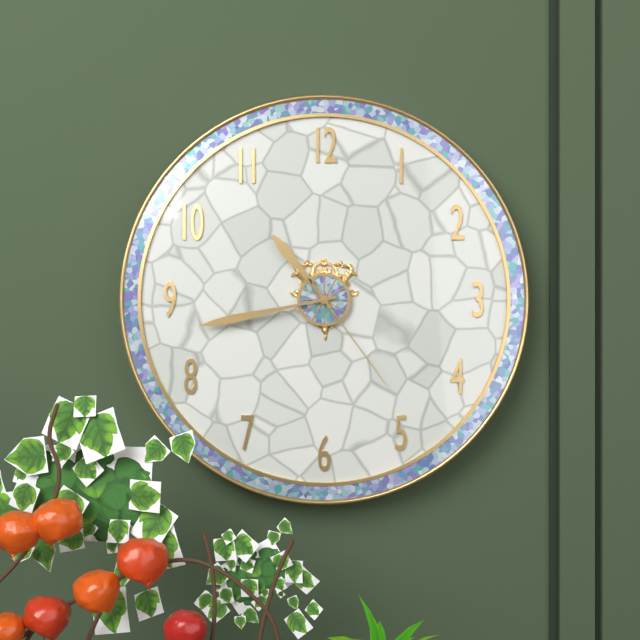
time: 10:43:24
